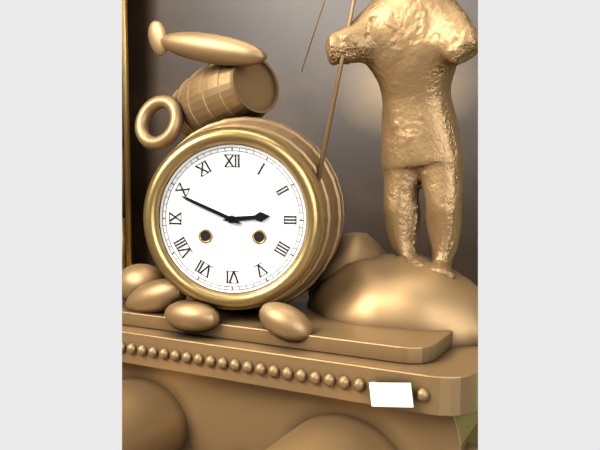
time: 2:49
